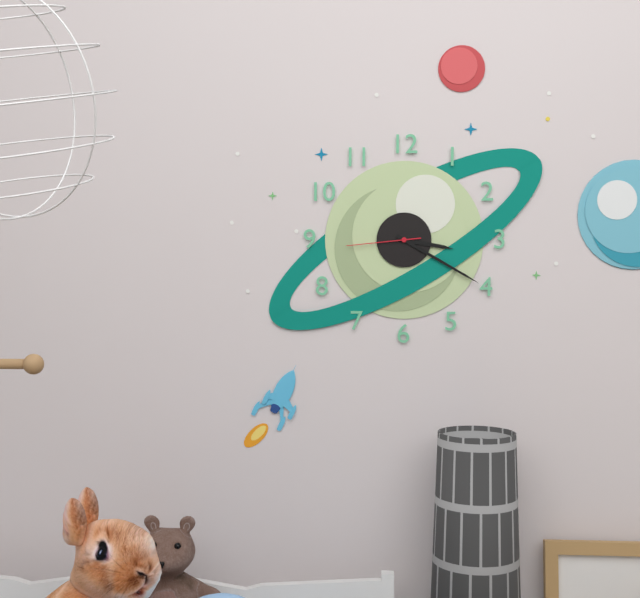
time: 3:20:44
